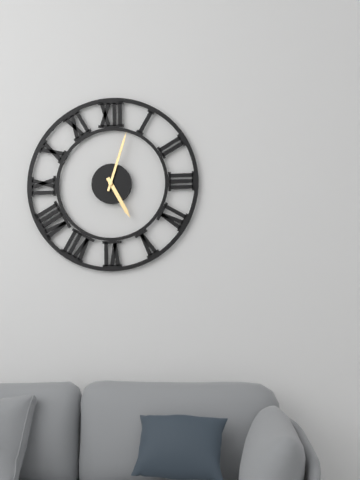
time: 5:03
